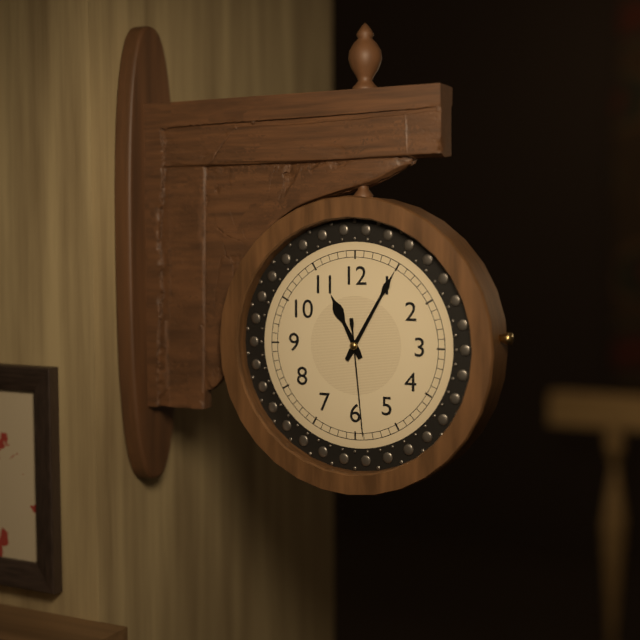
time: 11:05:29
